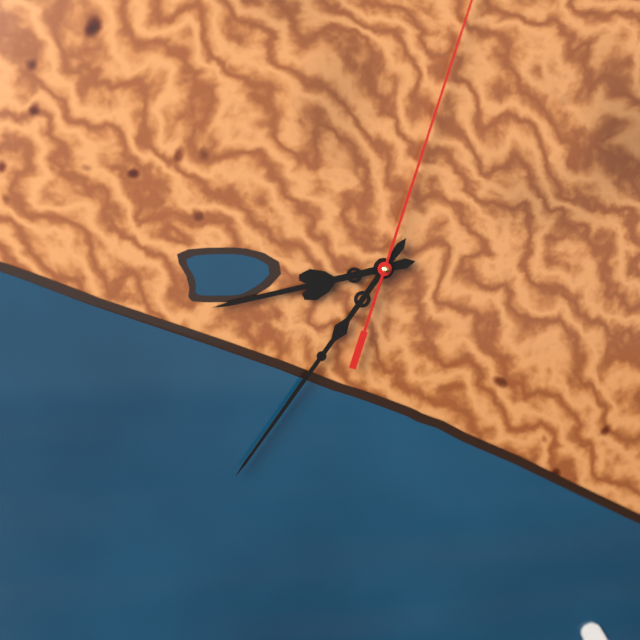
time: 8:36
